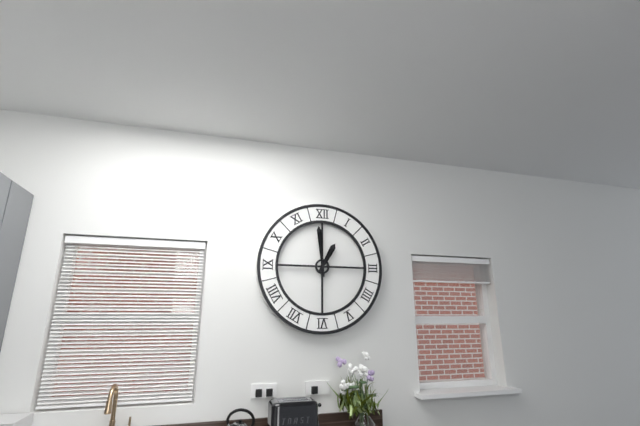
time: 12:59
